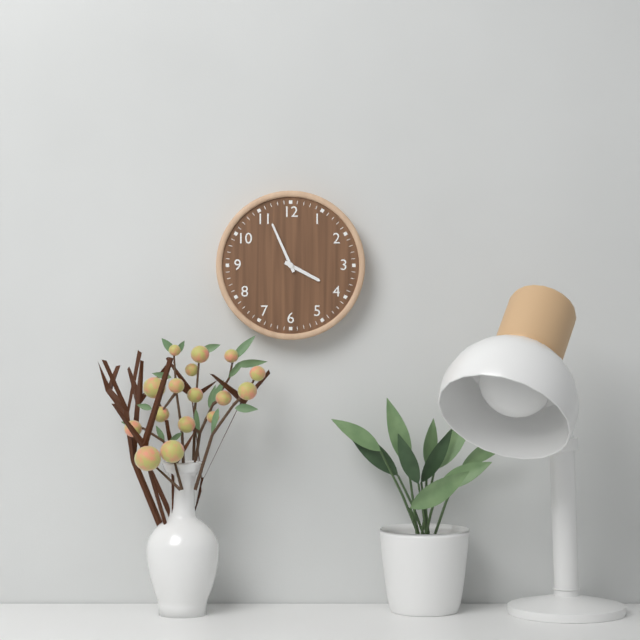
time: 3:56
